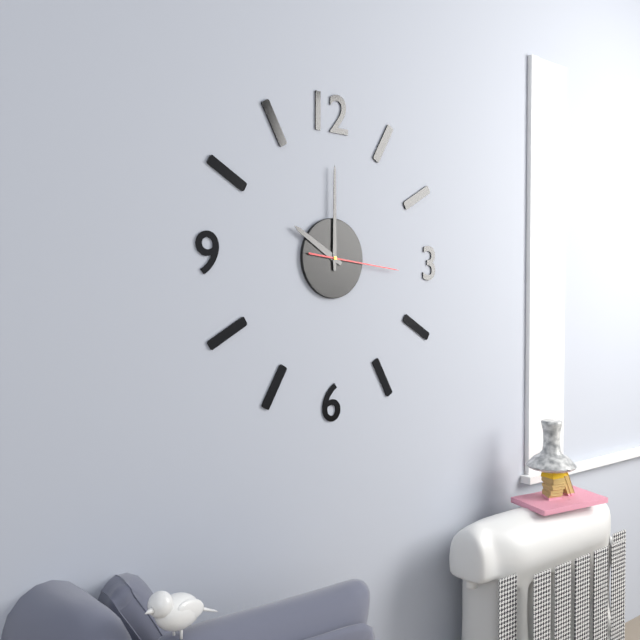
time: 10:00:16
